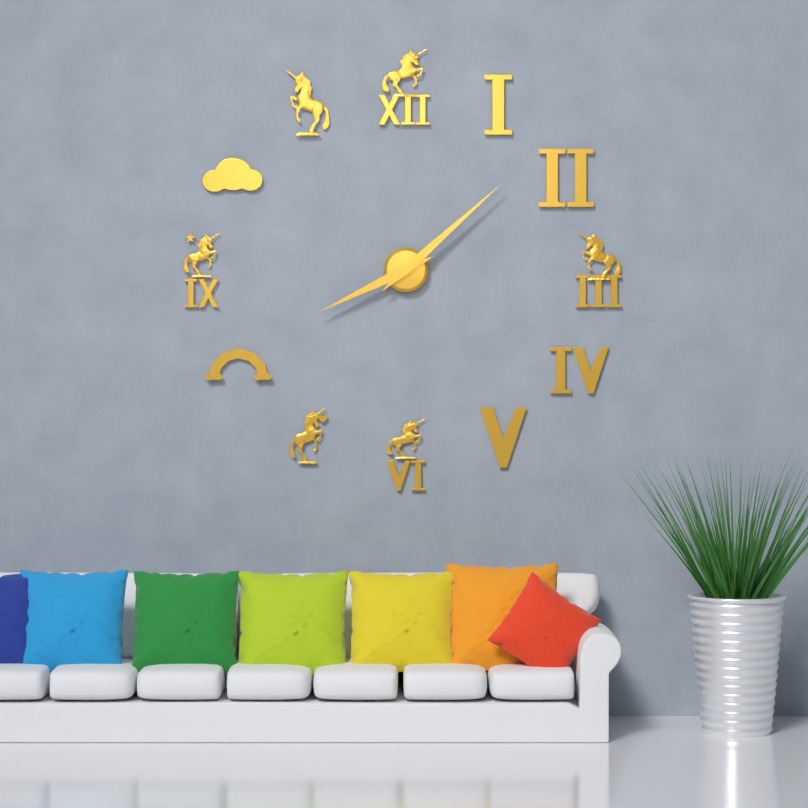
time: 8:08
